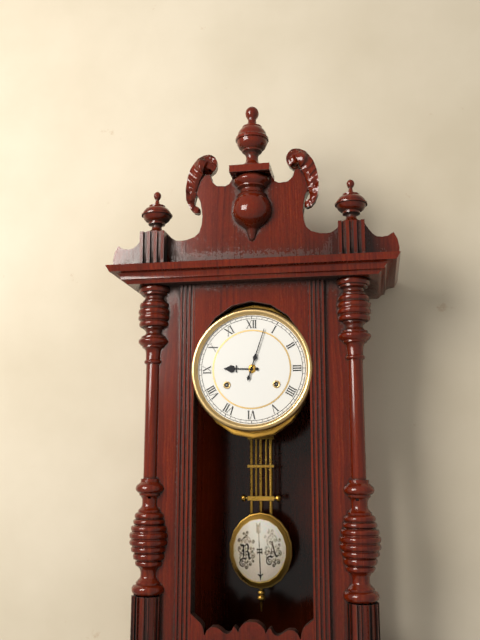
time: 9:03
